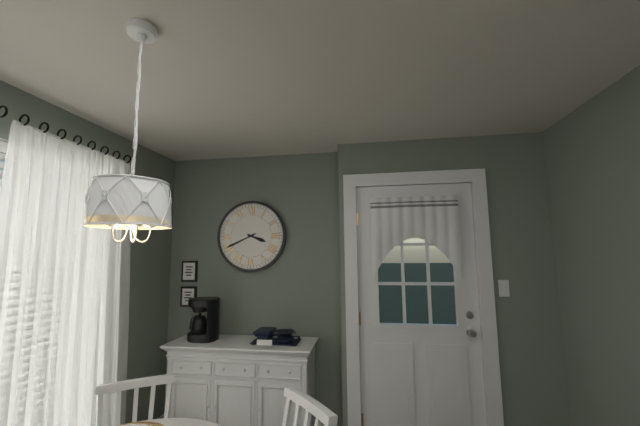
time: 3:41
